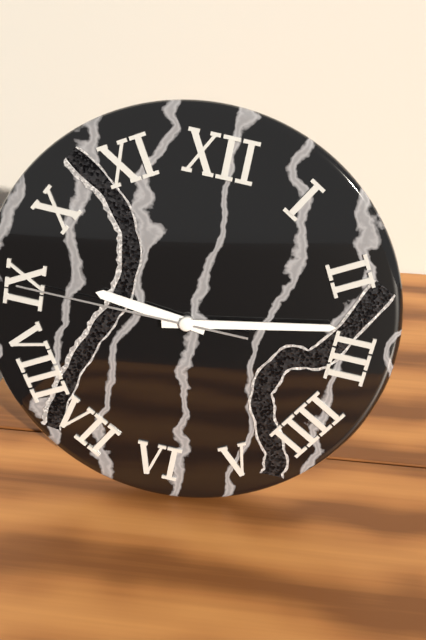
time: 9:13:45
